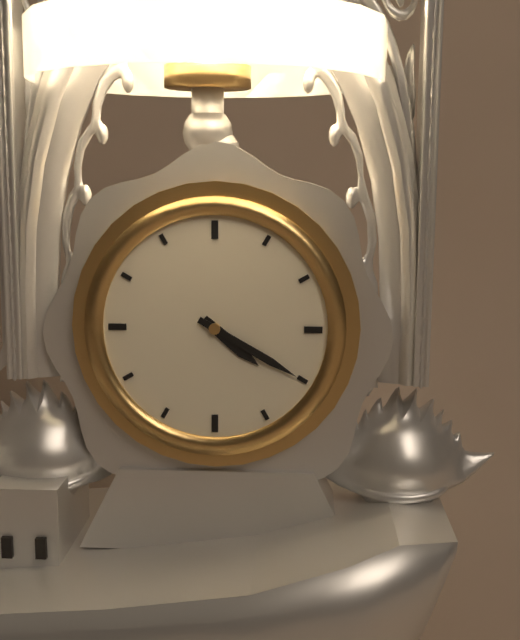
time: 4:20
